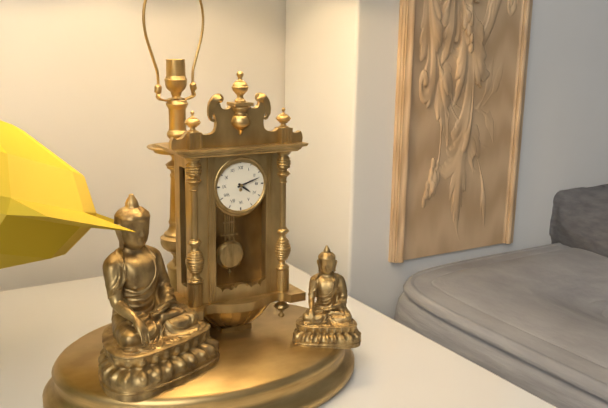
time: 4:12
